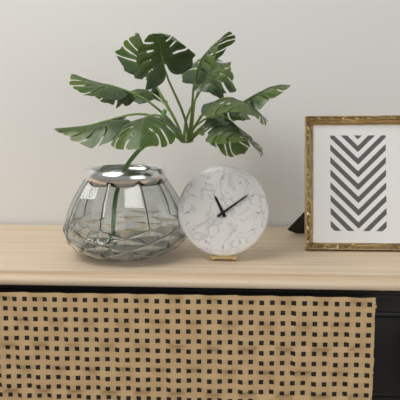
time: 11:09
